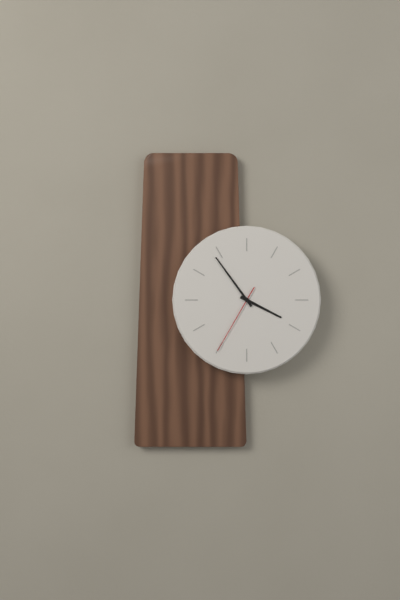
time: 3:54:35
